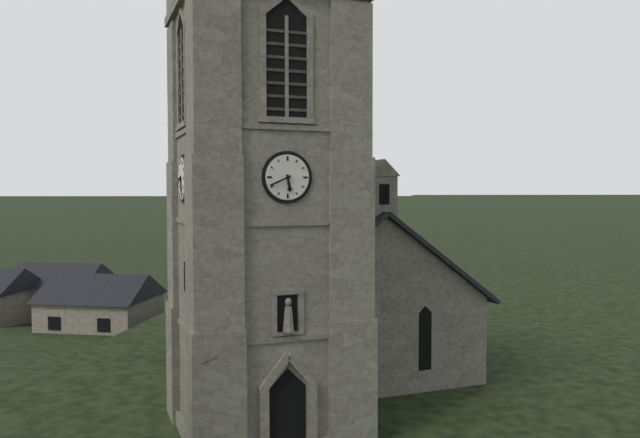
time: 5:41
